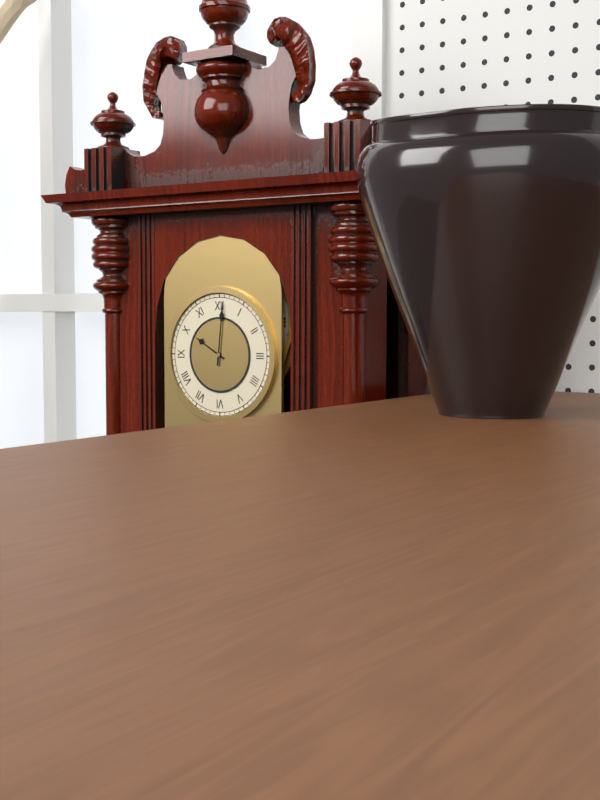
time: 10:01
